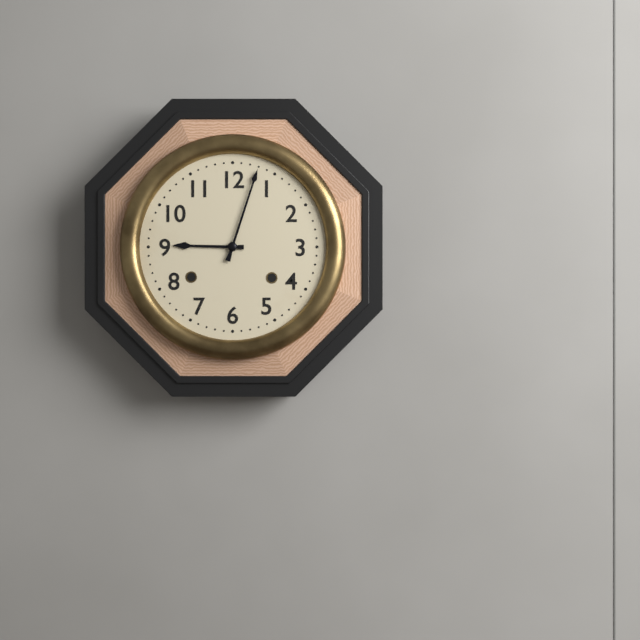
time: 9:03
